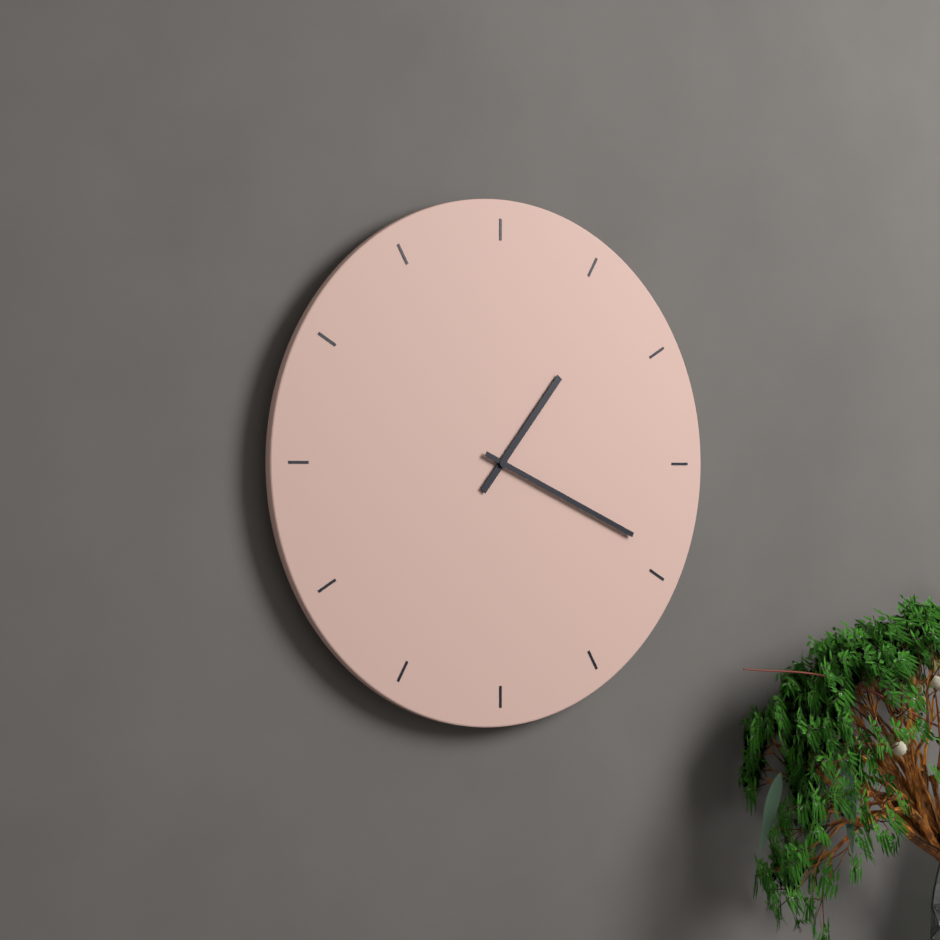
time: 1:19
